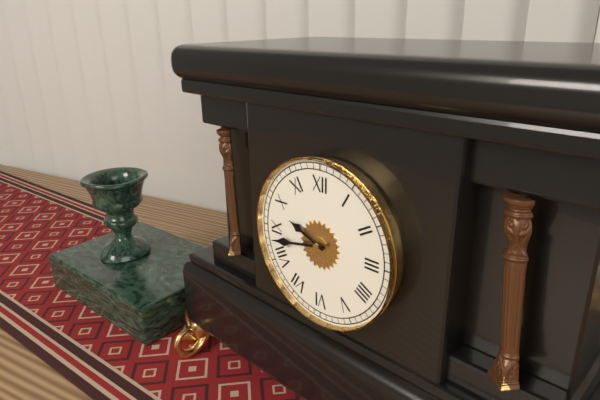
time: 9:43
